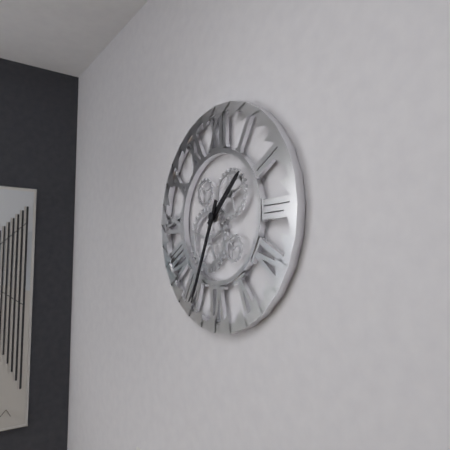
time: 1:34
